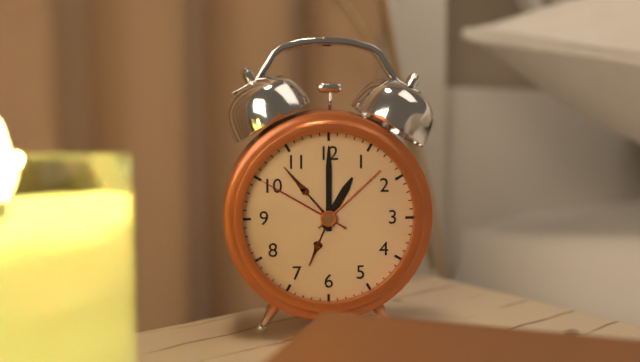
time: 1:00:50
